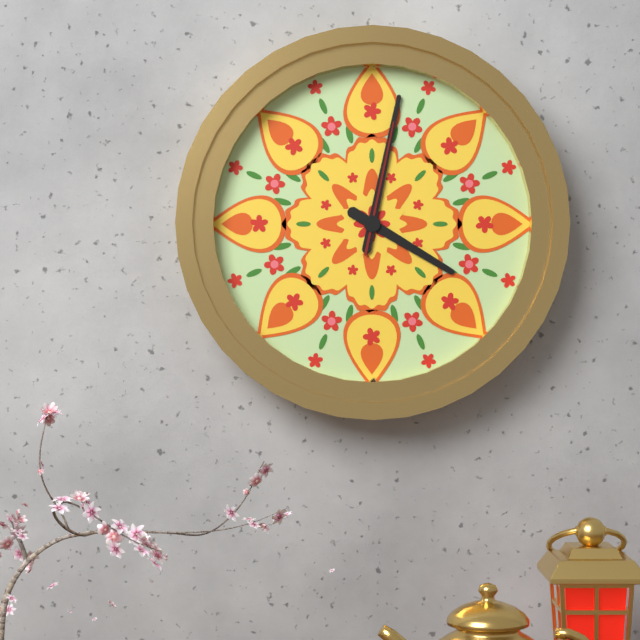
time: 4:02:02
